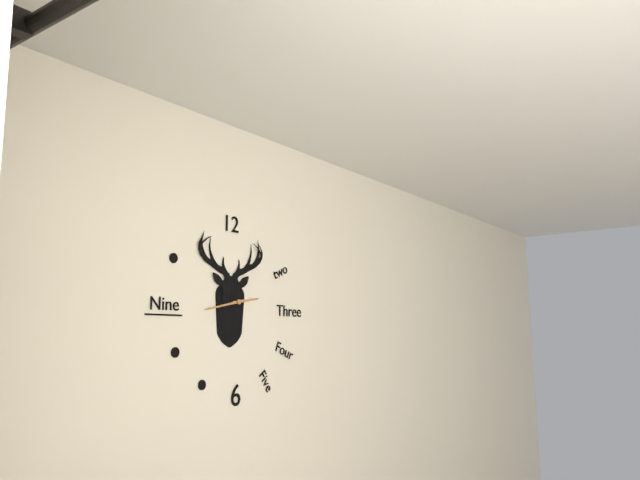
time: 2:43
